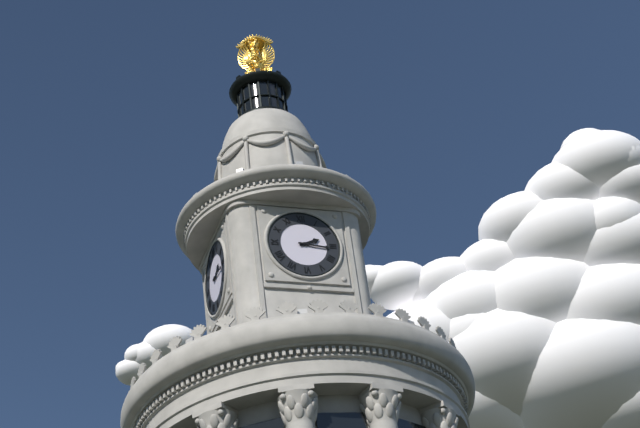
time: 2:16
